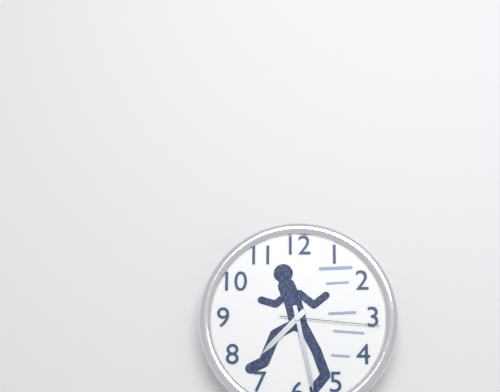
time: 7:28:16
